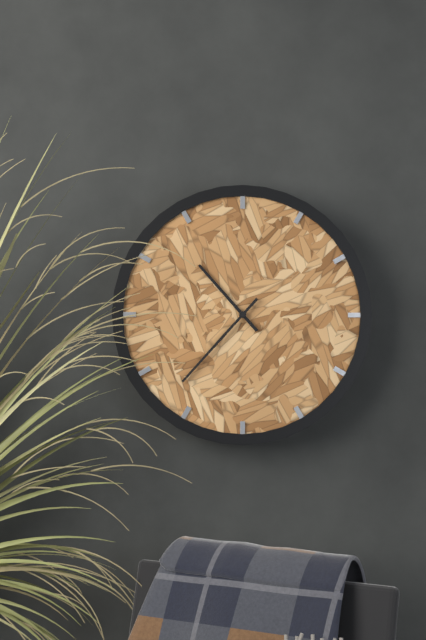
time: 10:37
